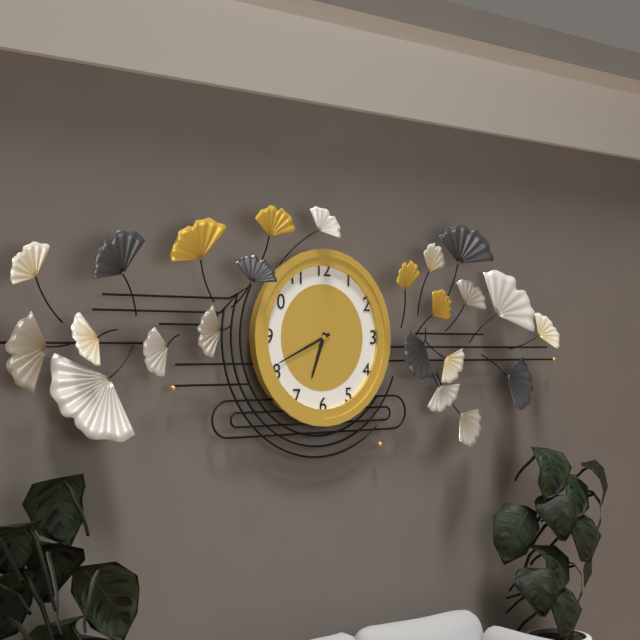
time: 6:41
